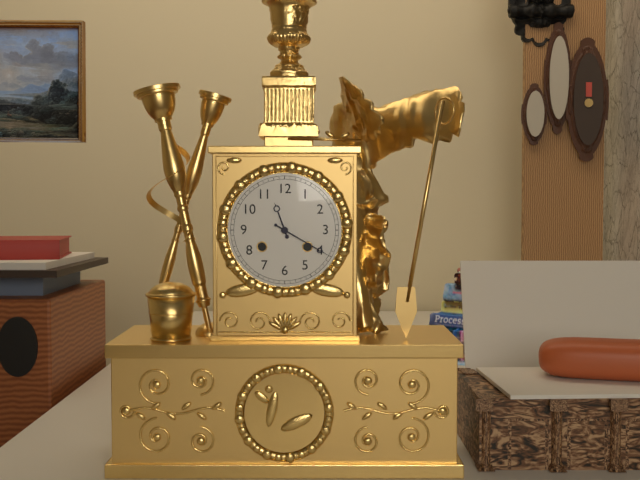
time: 11:20
